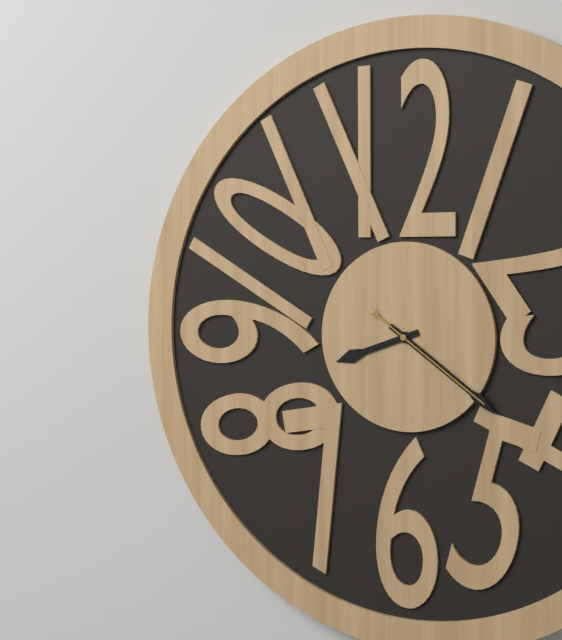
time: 8:21:21
